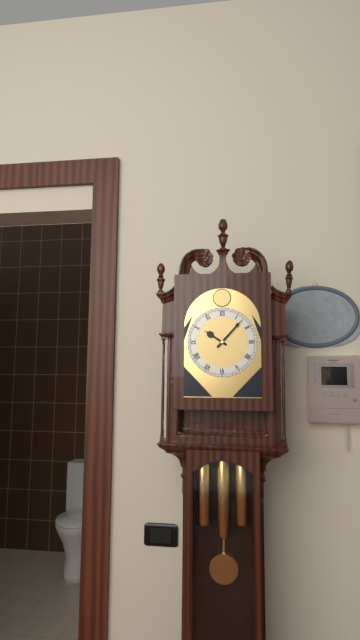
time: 10:07
